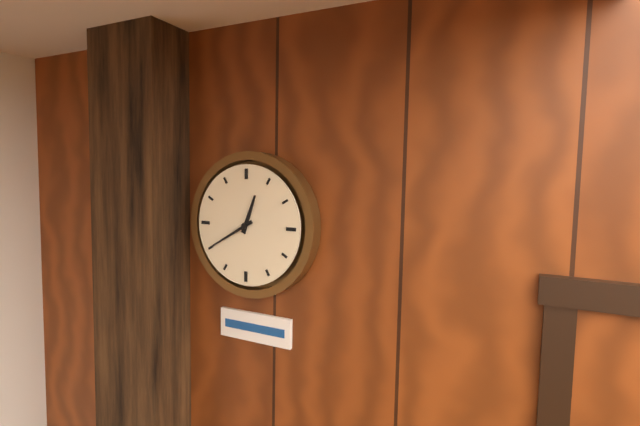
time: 12:40
